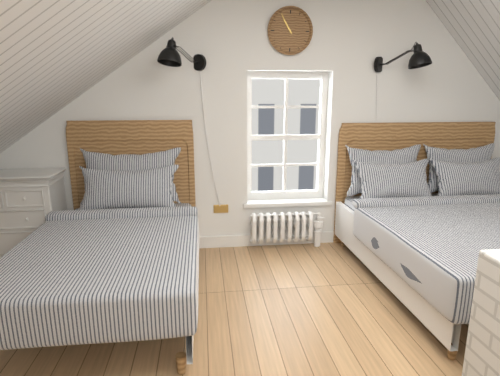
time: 10:55
